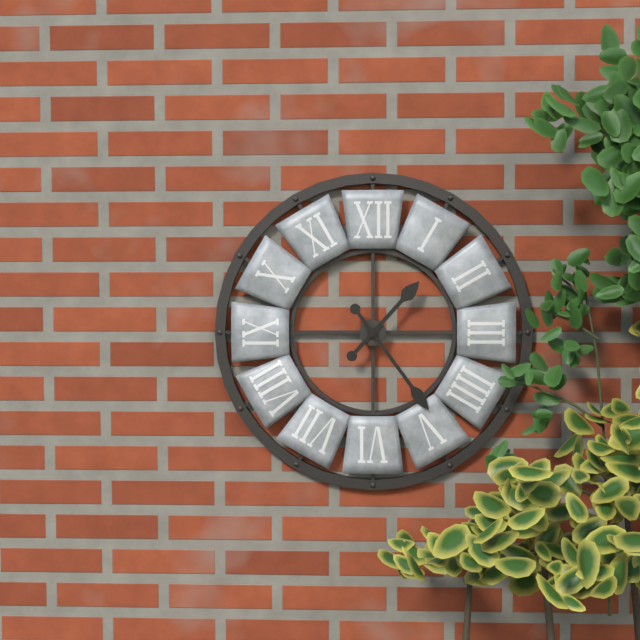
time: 1:24
